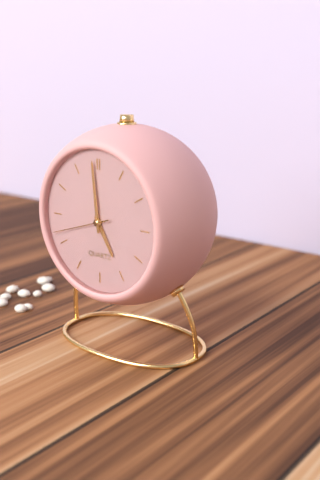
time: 4:59:42
